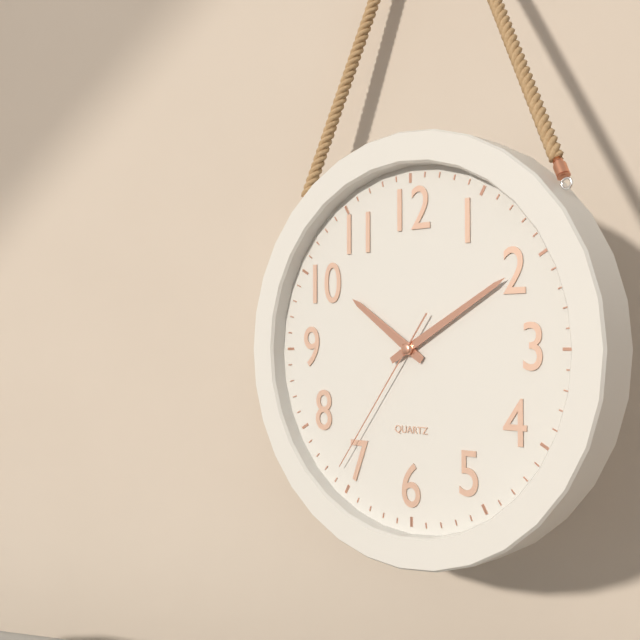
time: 10:10:36
